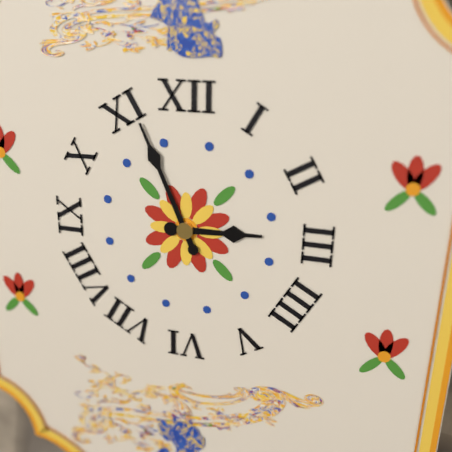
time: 2:56
